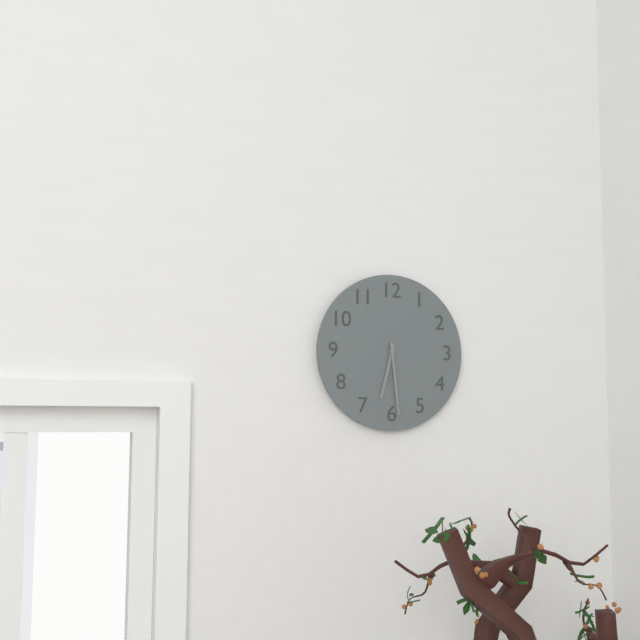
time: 6:29
